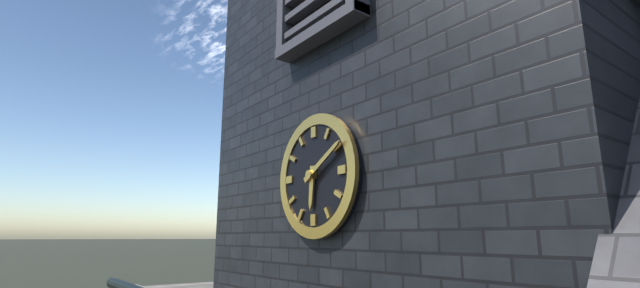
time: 6:10
